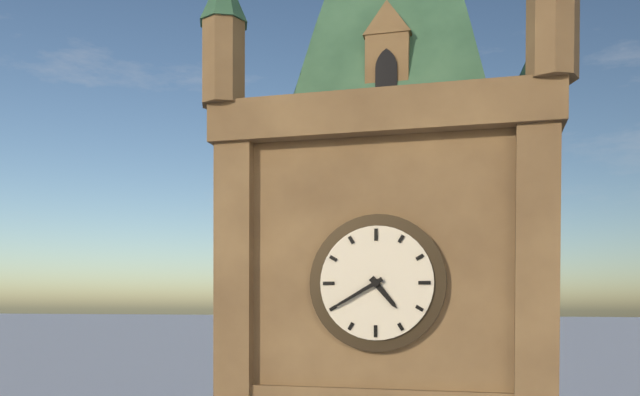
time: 4:40
